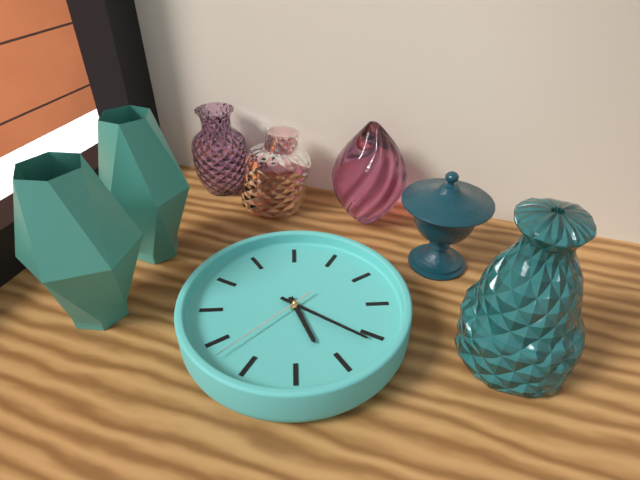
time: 5:21:38
